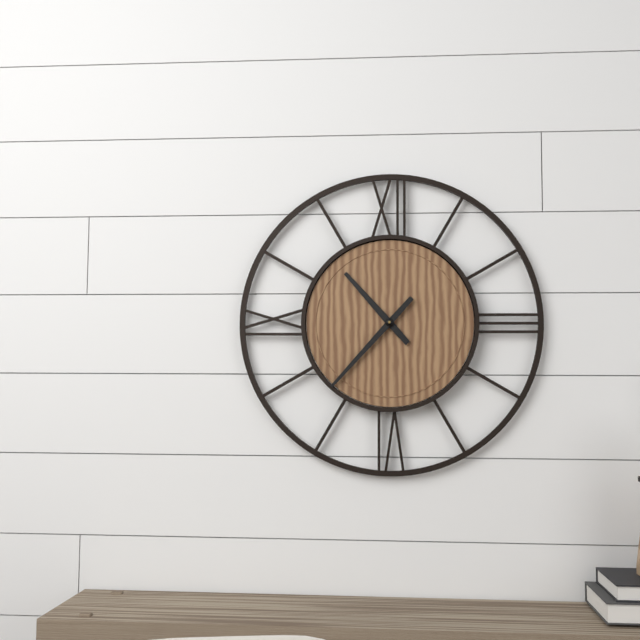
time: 10:37
